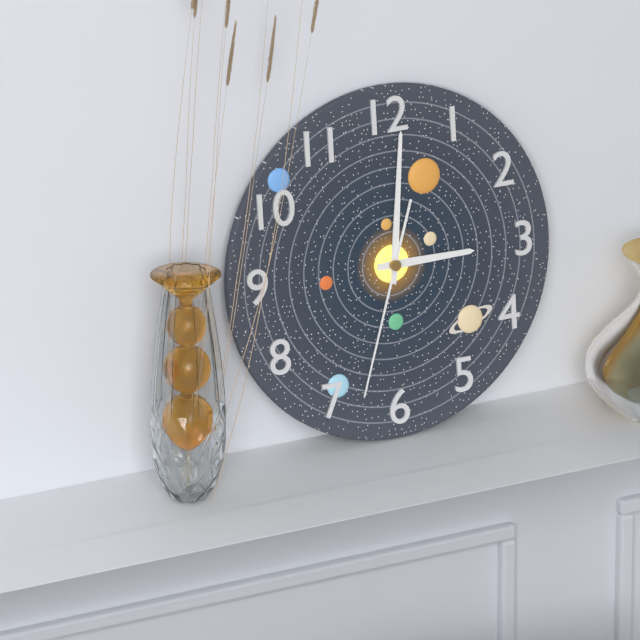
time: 3:01:33
